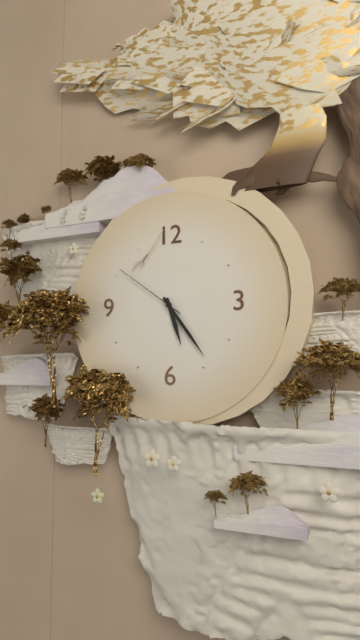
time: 5:24:51
